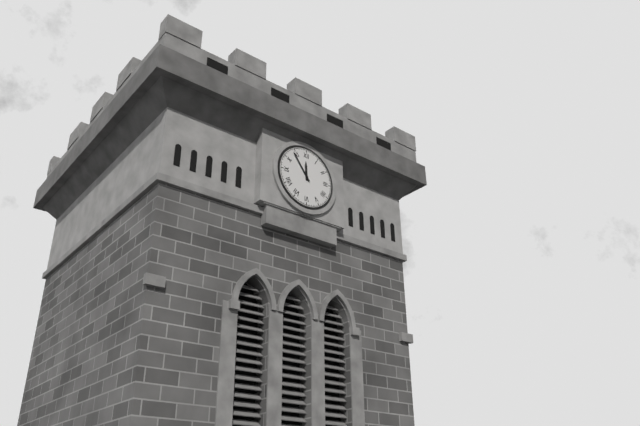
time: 11:54
